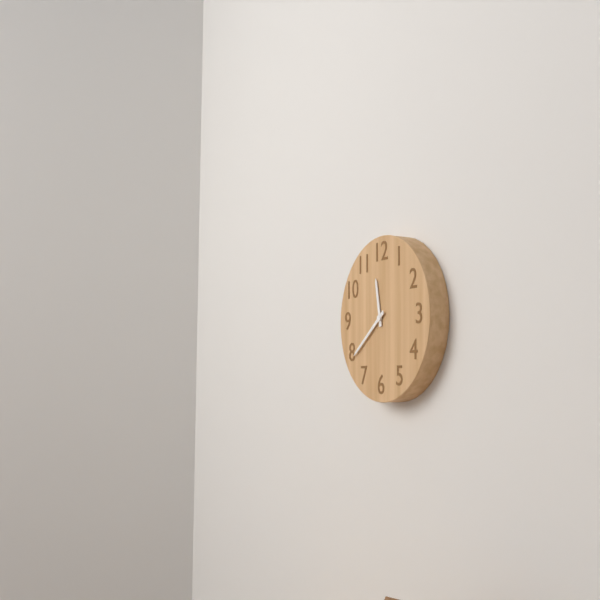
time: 11:39
